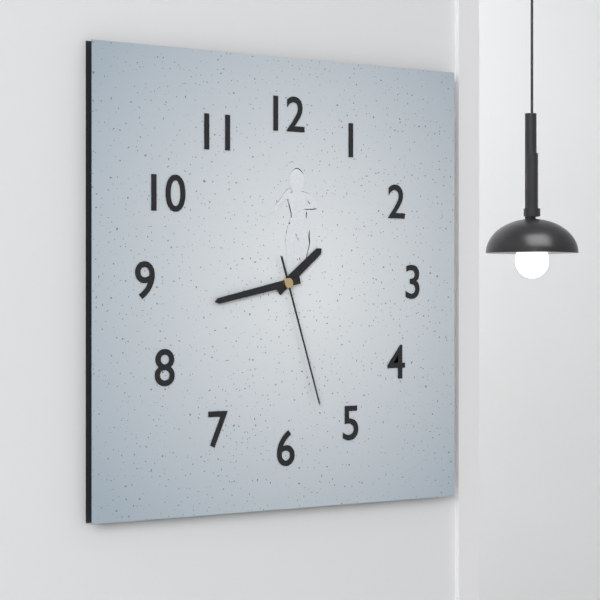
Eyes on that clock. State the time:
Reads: 1:43:27
